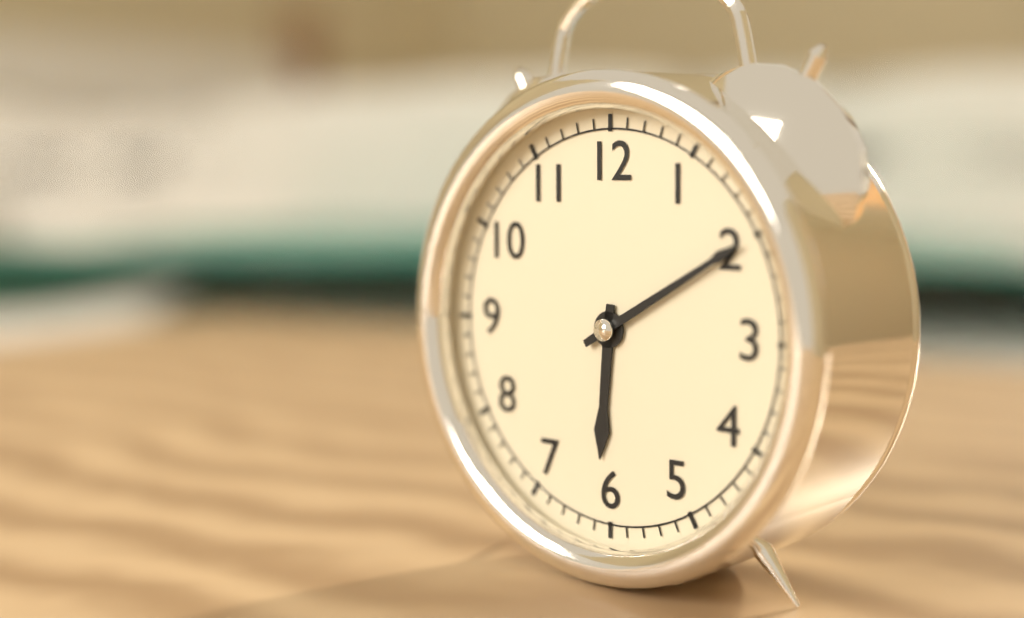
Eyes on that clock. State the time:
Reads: 6:10
